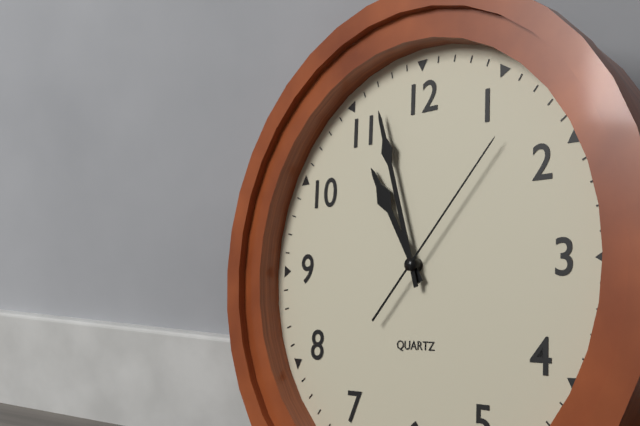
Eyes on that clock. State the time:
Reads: 10:57:07
